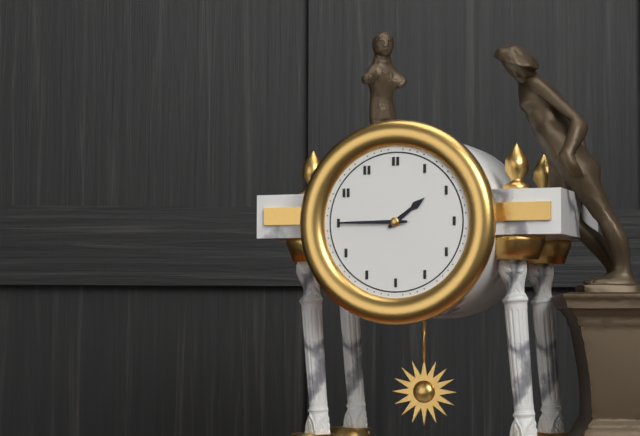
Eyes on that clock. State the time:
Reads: 1:45
